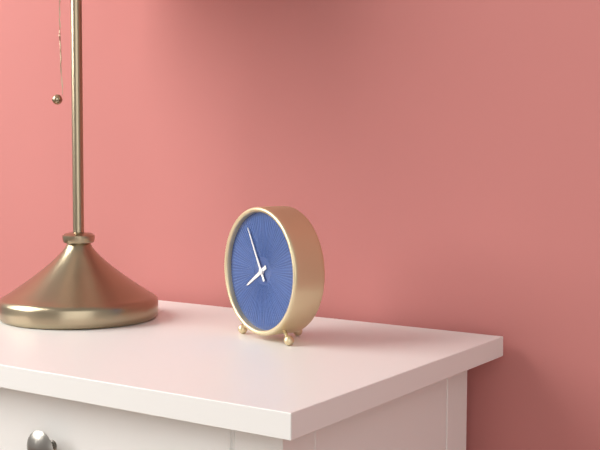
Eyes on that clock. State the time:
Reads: 7:55
